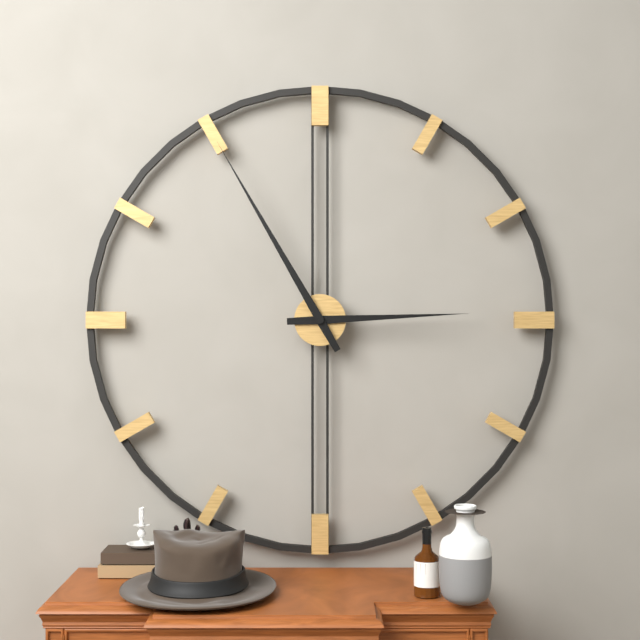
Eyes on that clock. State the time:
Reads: 2:55
